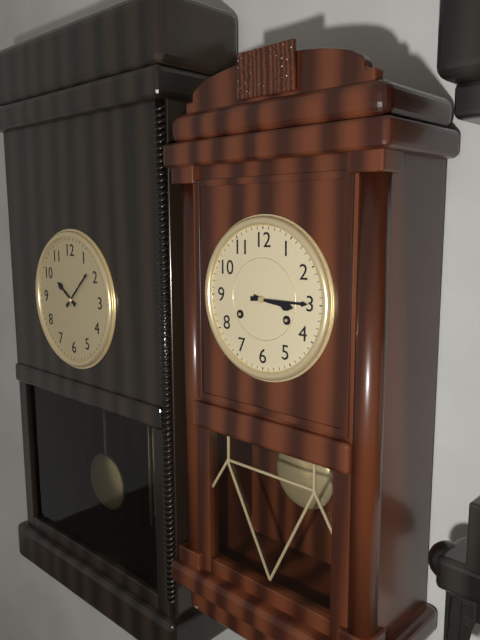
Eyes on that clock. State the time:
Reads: 3:15
